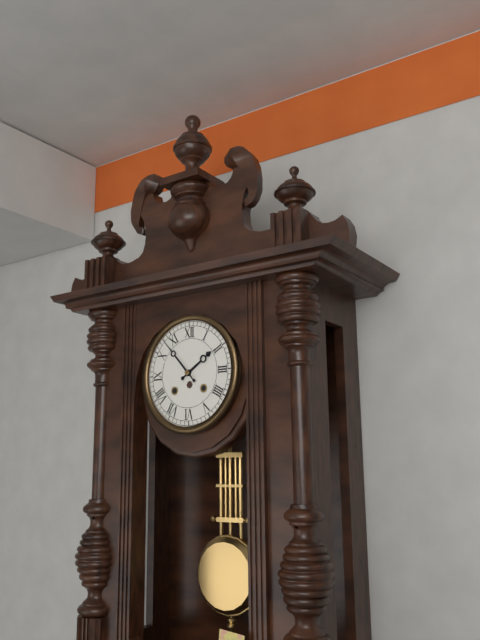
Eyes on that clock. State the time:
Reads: 1:53
